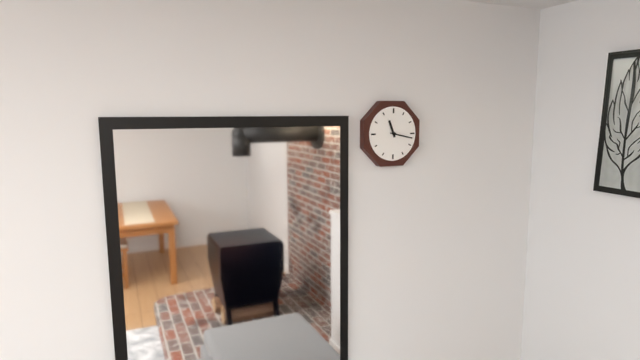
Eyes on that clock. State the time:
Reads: 11:17
